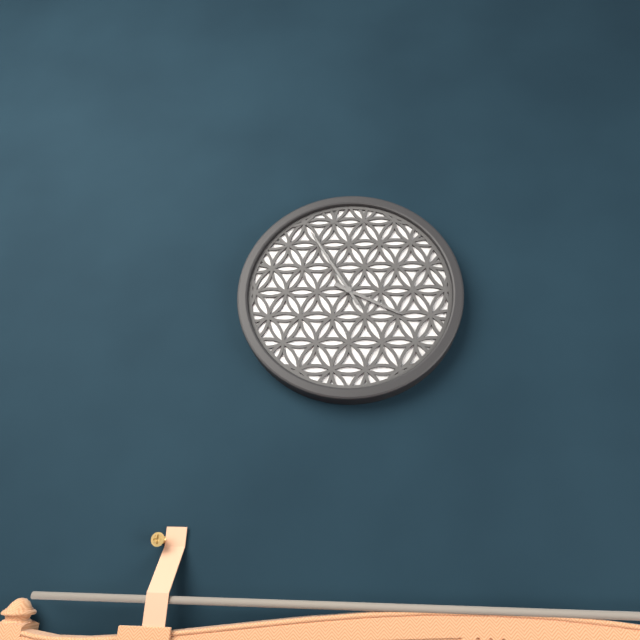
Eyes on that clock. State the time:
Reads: 3:55
